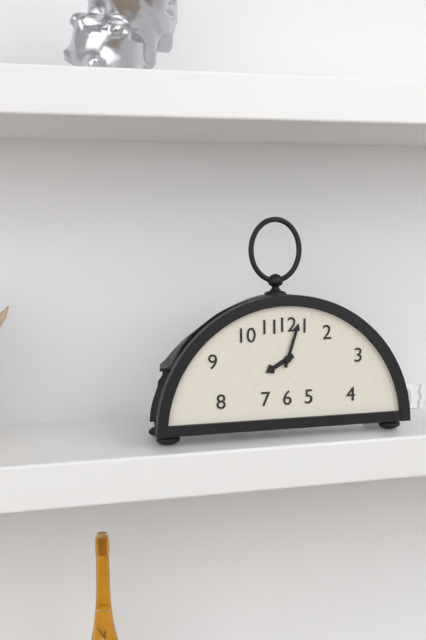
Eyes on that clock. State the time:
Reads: 8:03
